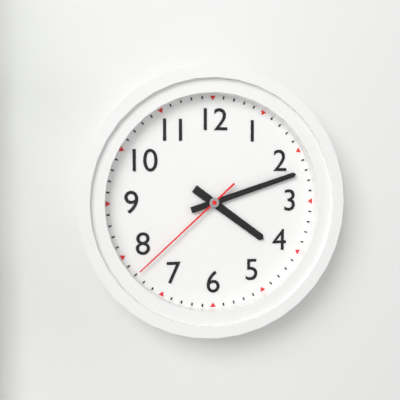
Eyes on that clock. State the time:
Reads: 4:12:38
